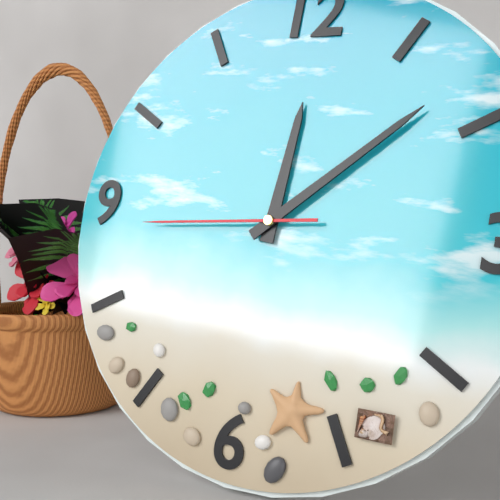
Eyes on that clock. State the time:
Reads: 12:08:44
